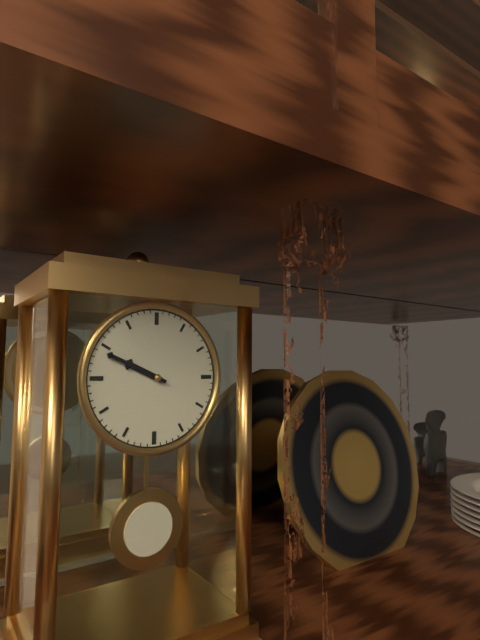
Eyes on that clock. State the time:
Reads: 9:49
